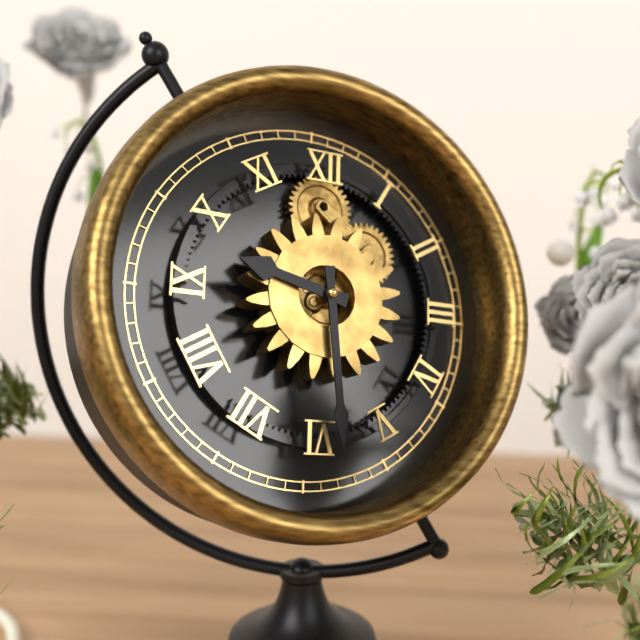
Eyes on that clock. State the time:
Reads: 9:29
